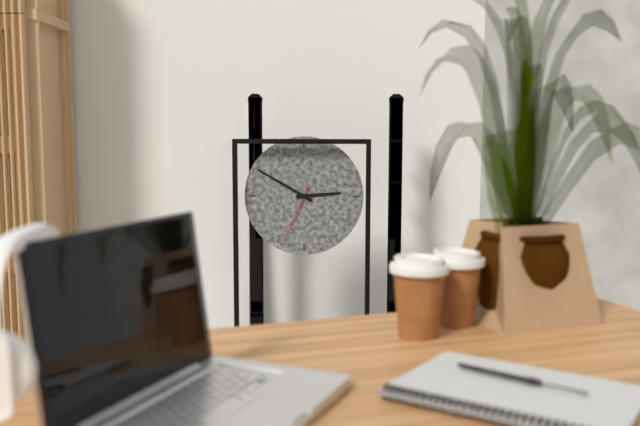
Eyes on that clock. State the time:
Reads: 2:50:34
